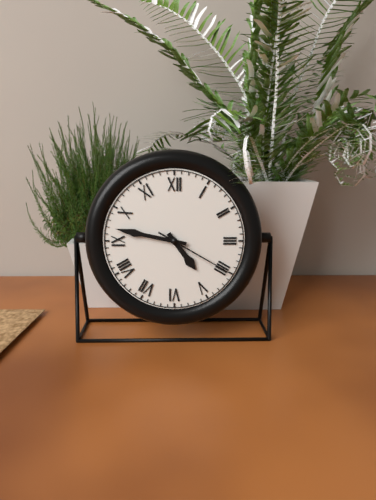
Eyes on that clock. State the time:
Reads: 4:47:20
